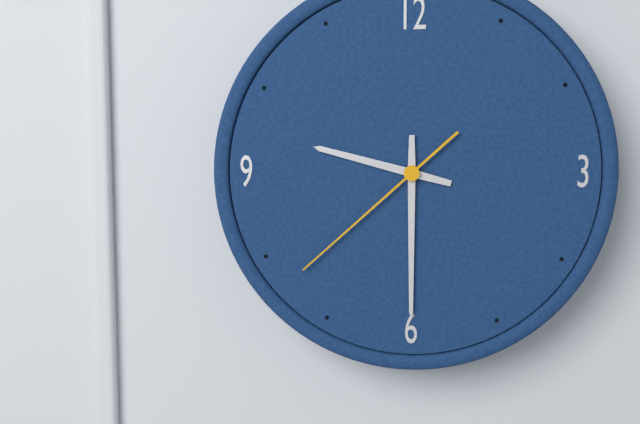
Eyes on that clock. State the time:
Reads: 9:30:38
